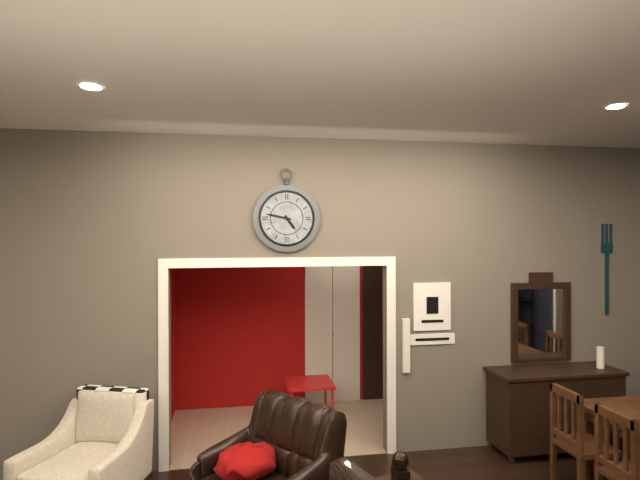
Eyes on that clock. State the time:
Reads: 4:47
